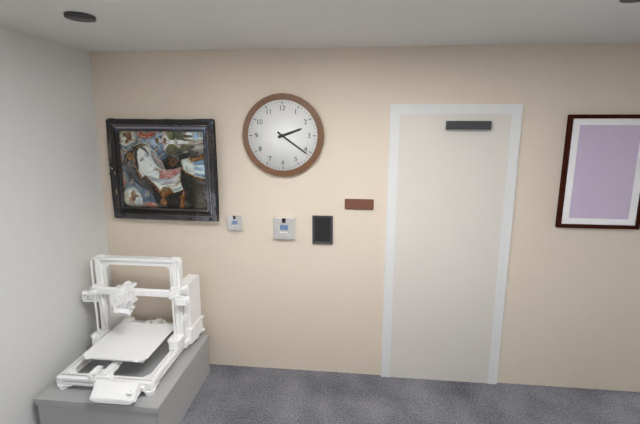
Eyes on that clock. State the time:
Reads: 2:21
